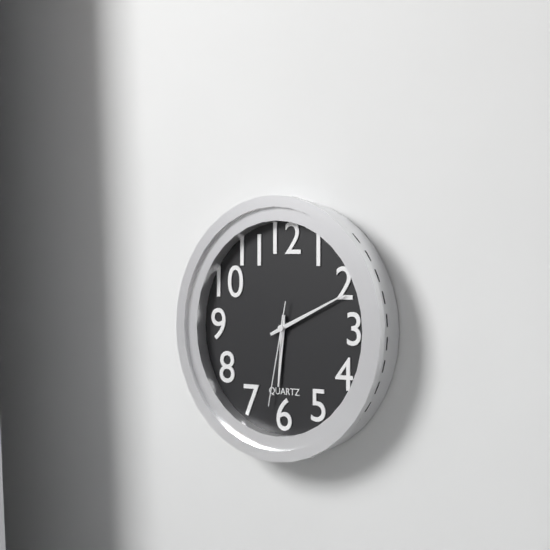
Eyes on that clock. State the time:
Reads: 6:11:32
